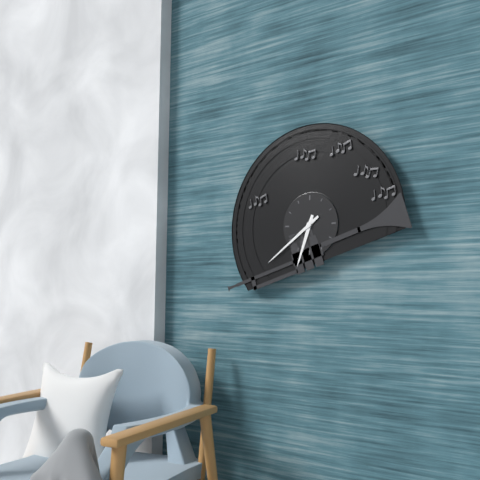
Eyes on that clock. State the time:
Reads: 6:39
